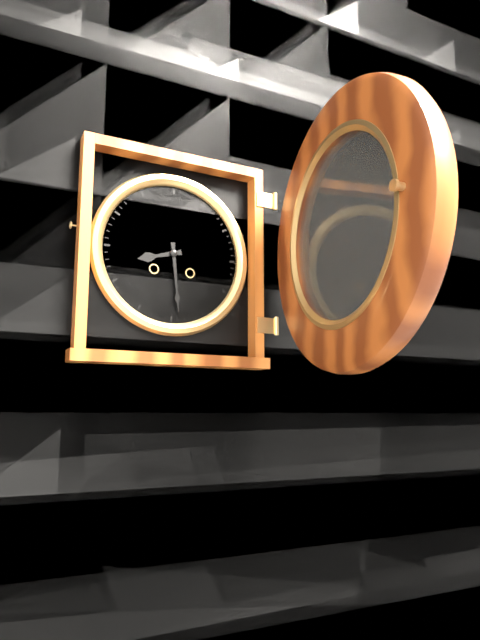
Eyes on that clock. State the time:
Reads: 8:29
